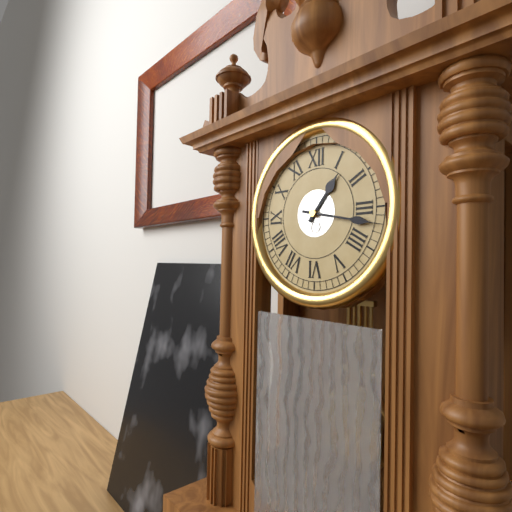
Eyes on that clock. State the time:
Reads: 1:17
